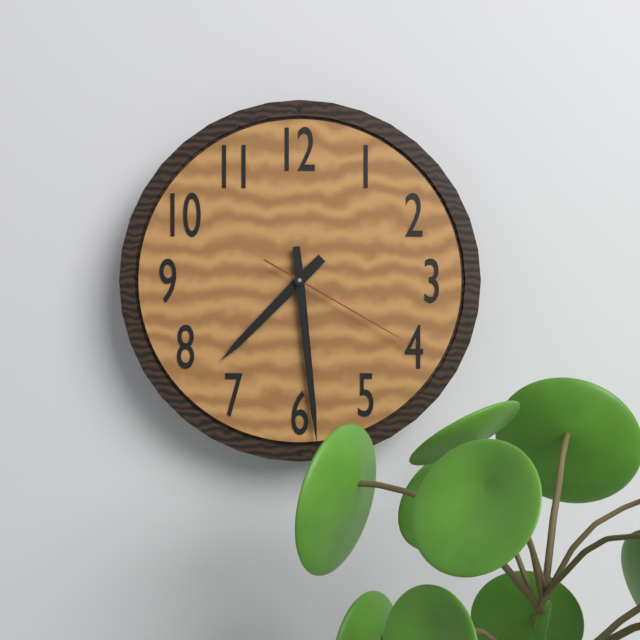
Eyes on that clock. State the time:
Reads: 7:29:20
